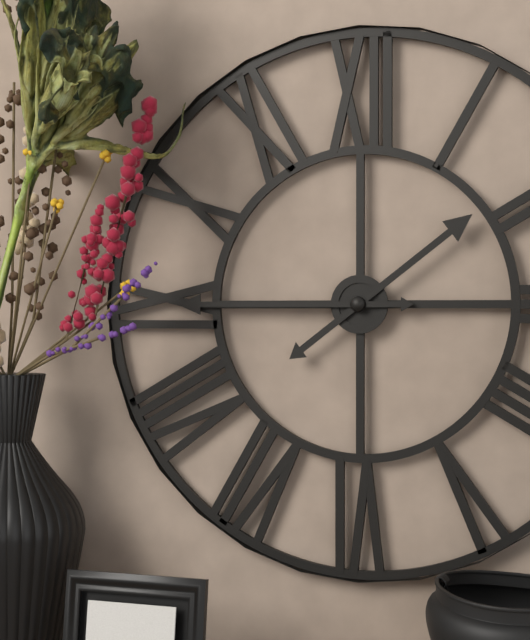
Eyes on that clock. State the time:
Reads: 1:45
